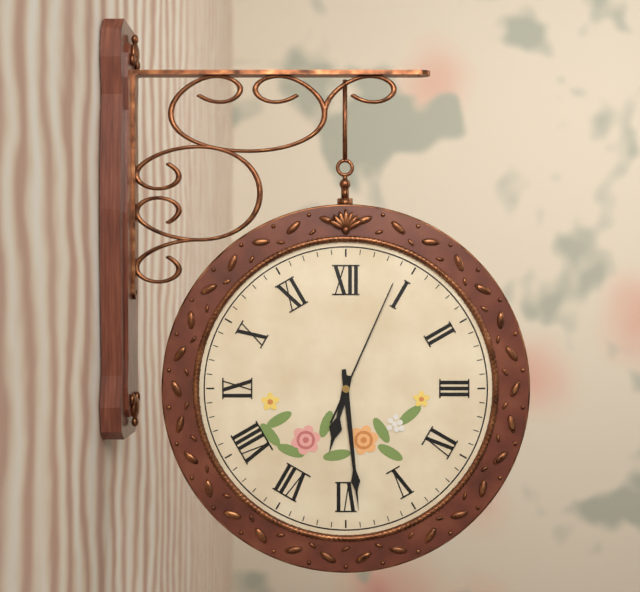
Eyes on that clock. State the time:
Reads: 6:29:04
